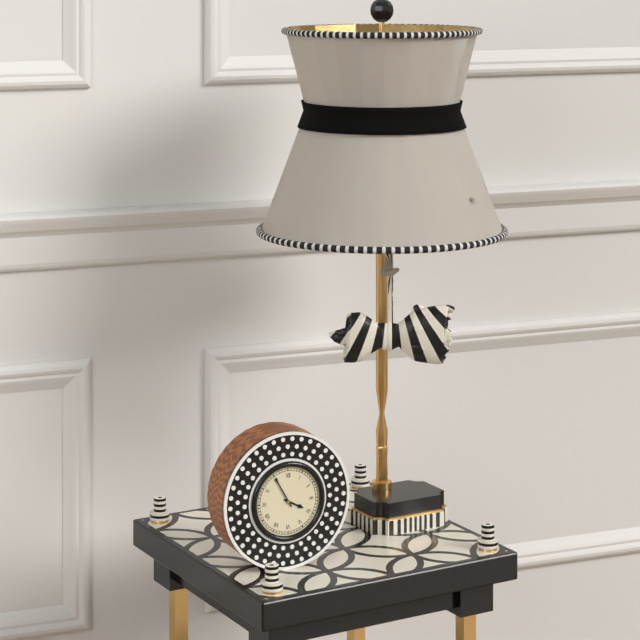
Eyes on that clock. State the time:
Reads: 3:55
